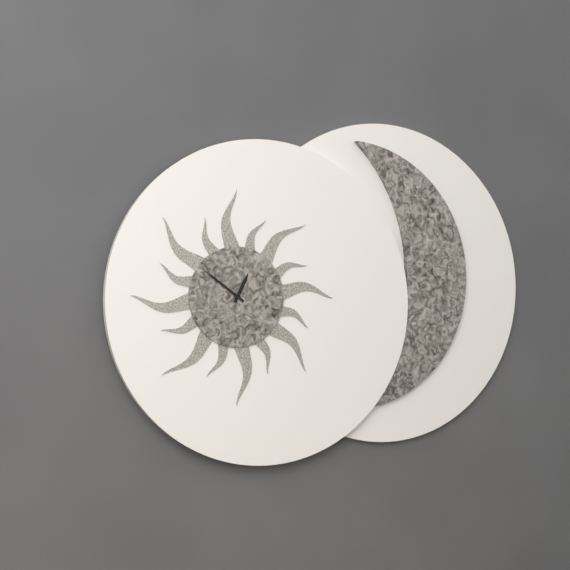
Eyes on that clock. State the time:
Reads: 12:51
